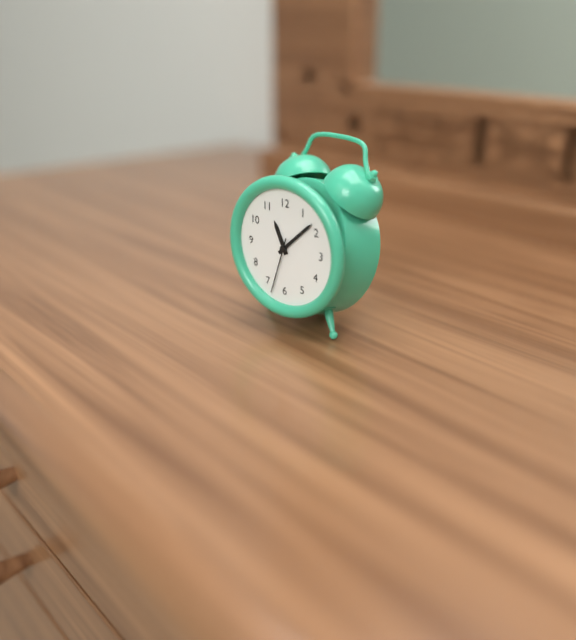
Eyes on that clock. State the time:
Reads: 11:08:33
